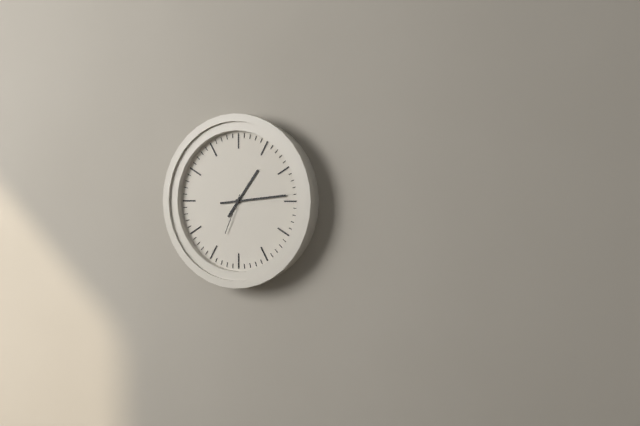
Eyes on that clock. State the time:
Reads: 1:14
